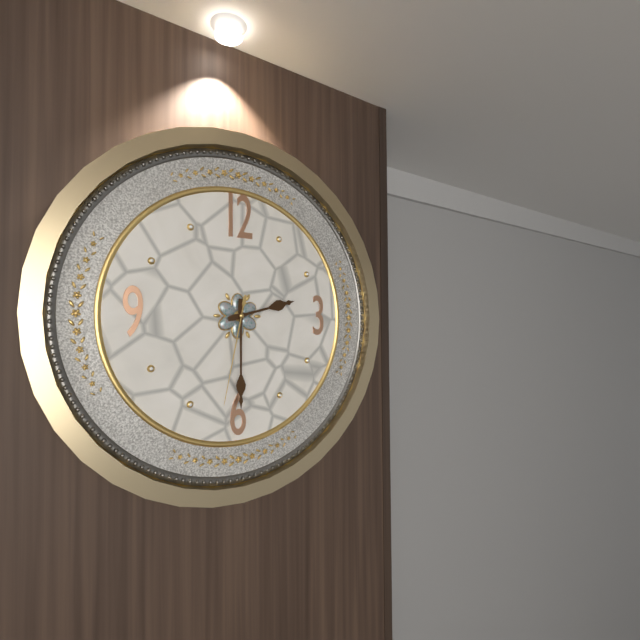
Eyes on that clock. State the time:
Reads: 2:30:32
